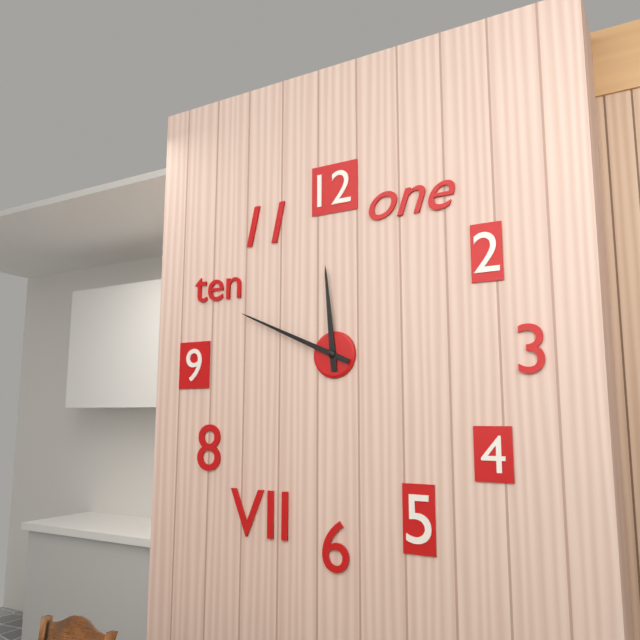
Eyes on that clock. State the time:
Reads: 11:49
